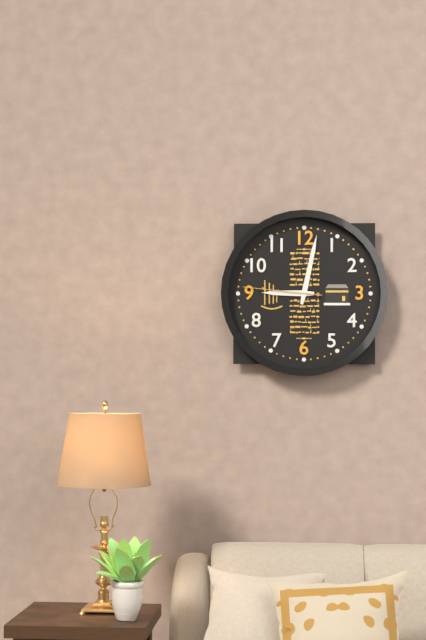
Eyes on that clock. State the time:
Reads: 9:02:46
